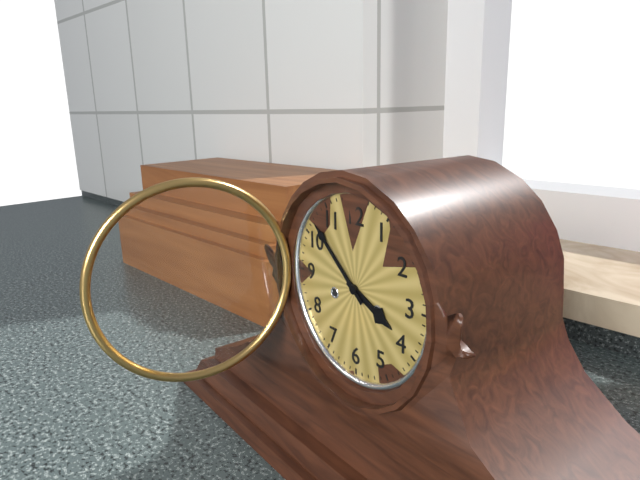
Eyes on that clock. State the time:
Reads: 3:52
